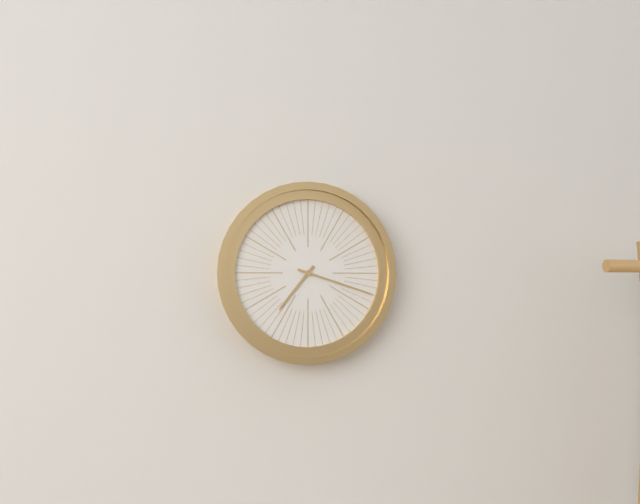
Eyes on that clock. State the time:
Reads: 7:18
